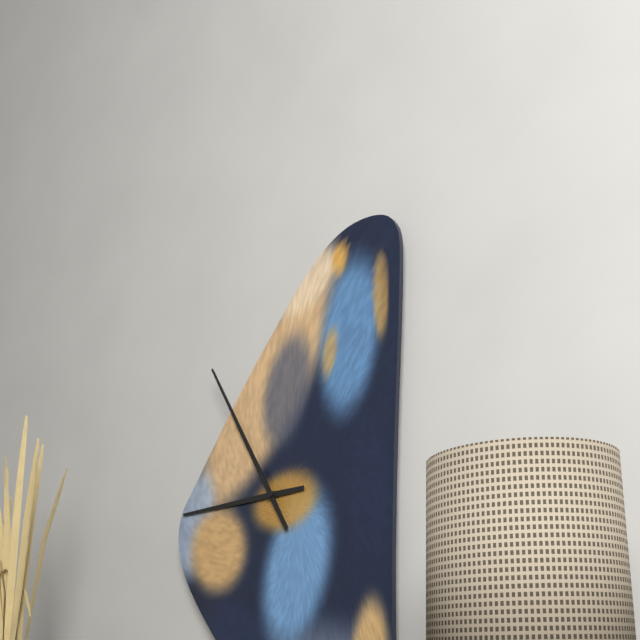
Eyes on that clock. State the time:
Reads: 8:55
